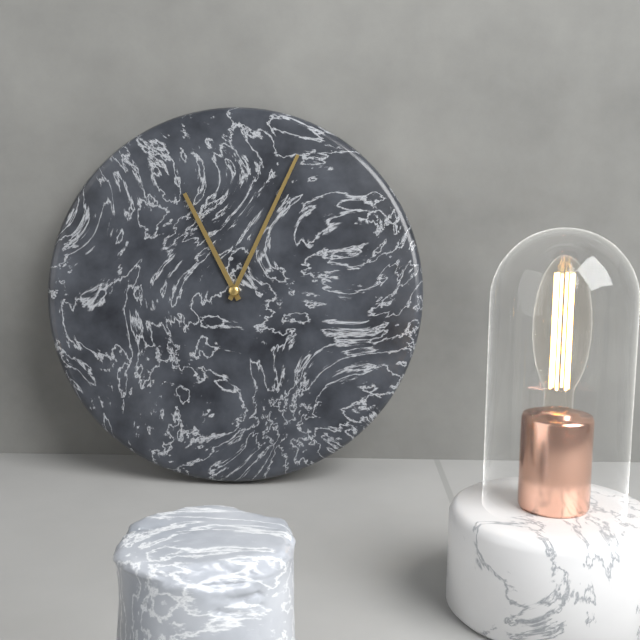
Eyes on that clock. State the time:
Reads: 11:04
